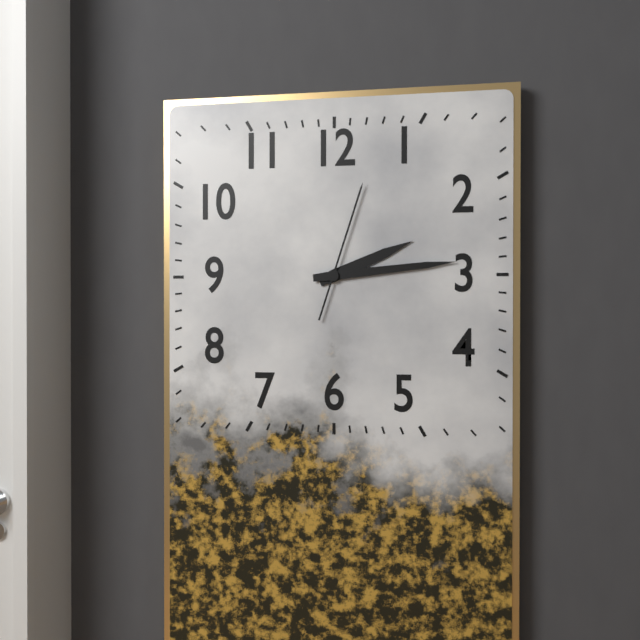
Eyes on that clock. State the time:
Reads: 2:14:03
